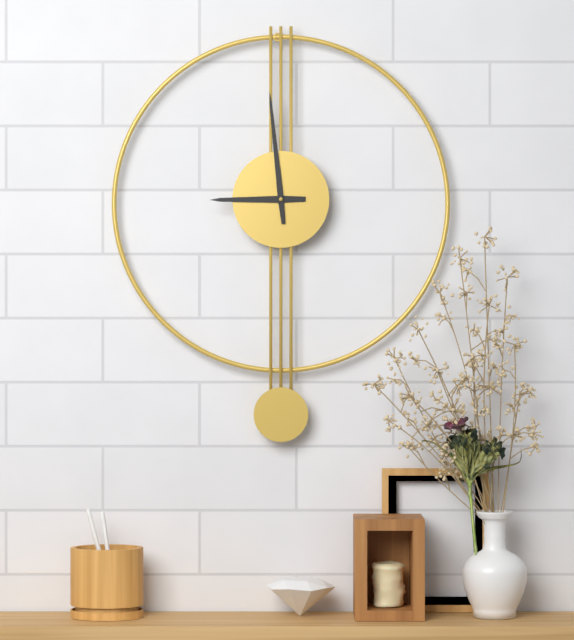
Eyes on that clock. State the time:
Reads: 8:59
